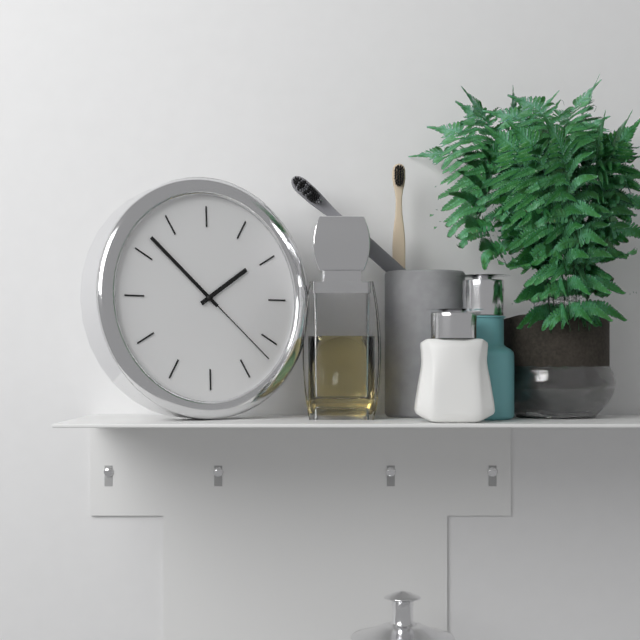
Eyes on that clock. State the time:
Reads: 1:52:22
